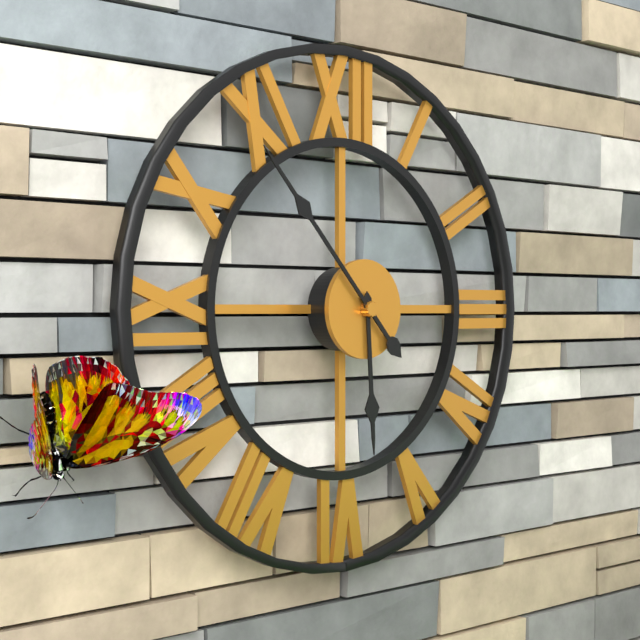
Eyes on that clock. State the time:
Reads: 5:53
